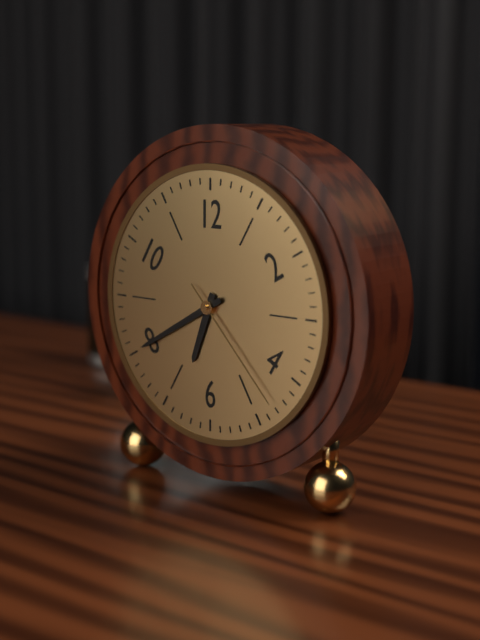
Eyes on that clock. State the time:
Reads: 6:40:23
